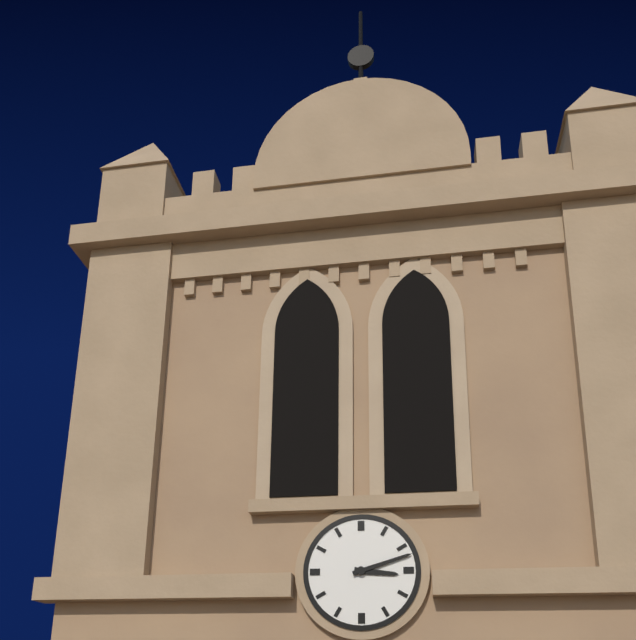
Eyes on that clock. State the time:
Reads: 3:12
